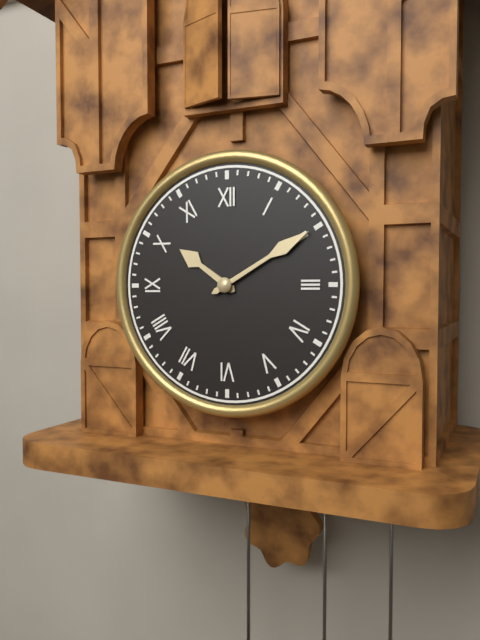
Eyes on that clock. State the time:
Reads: 10:10
